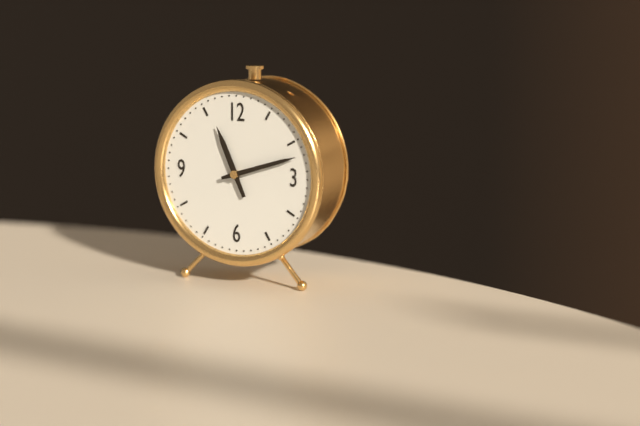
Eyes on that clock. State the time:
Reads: 11:12
